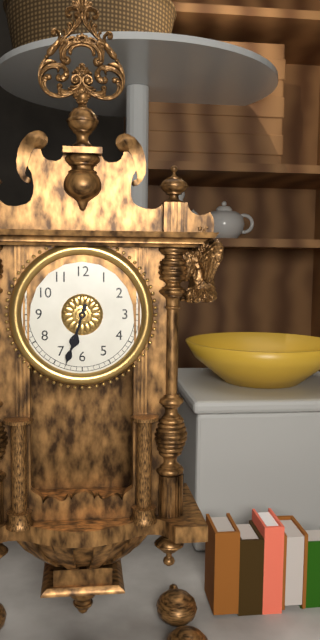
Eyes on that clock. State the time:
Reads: 6:33
